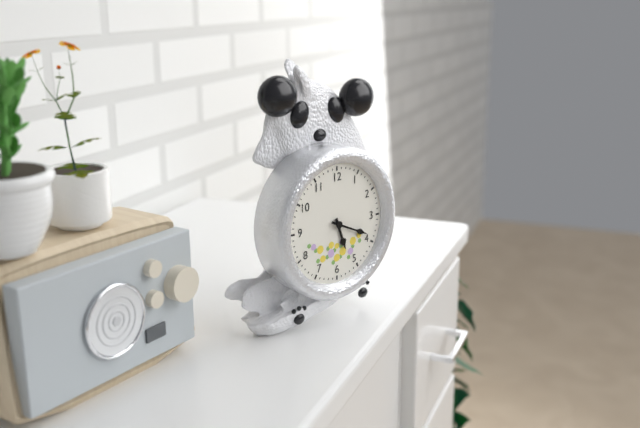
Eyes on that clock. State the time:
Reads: 5:19
